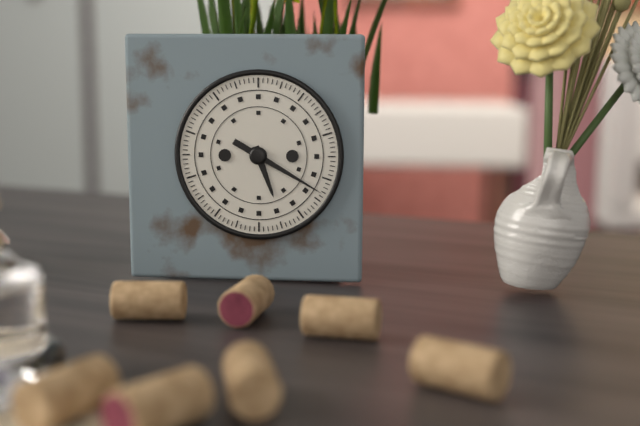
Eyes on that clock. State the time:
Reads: 5:20
